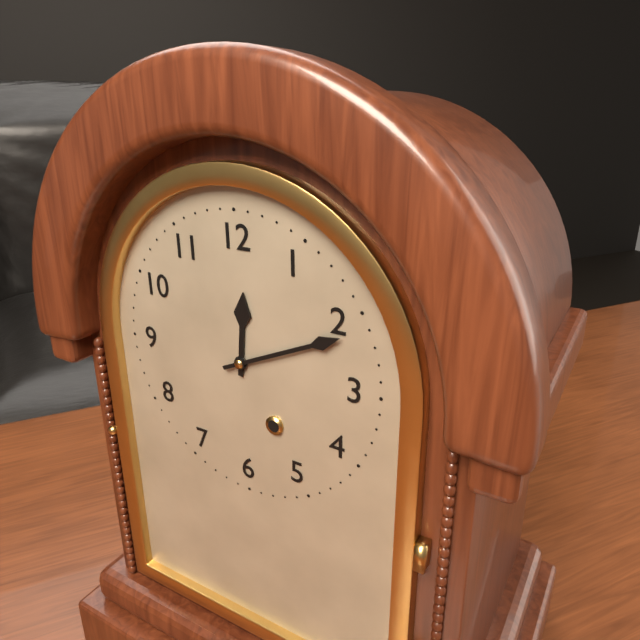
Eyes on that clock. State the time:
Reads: 12:11
